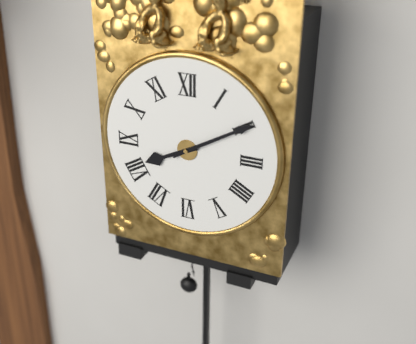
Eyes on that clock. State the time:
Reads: 8:10
